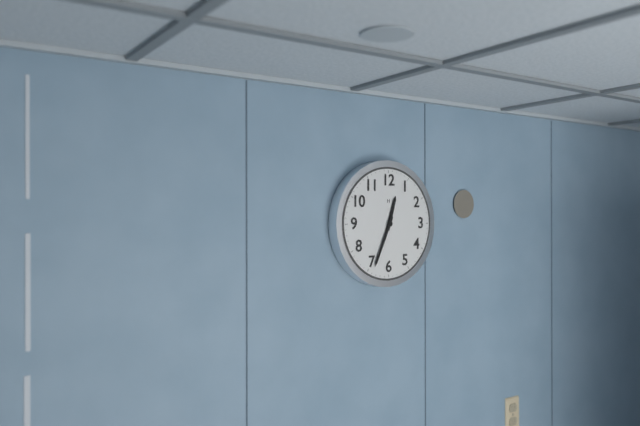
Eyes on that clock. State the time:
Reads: 12:34
